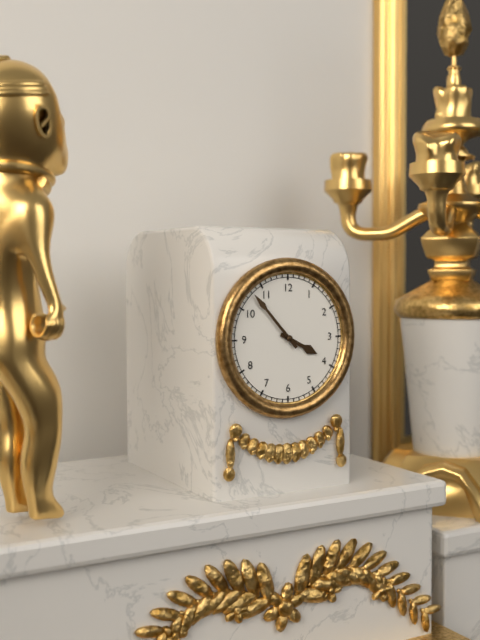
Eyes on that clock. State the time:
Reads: 3:53
